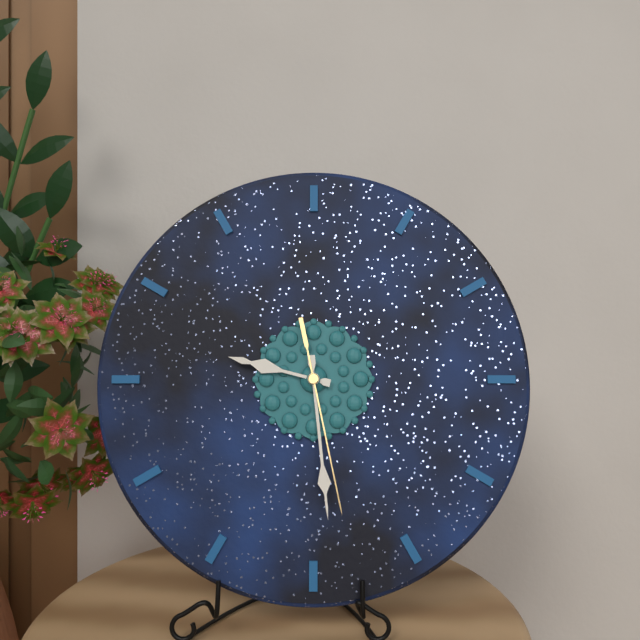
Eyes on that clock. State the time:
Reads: 9:29:28
